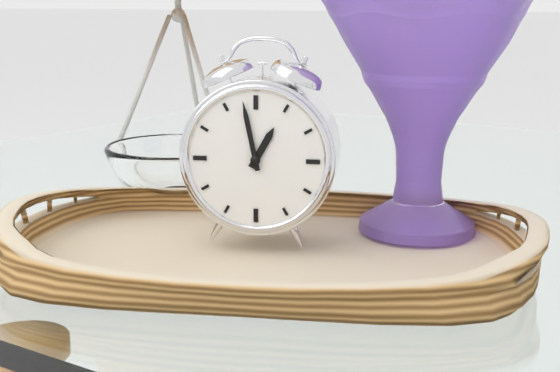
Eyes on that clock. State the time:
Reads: 12:58
